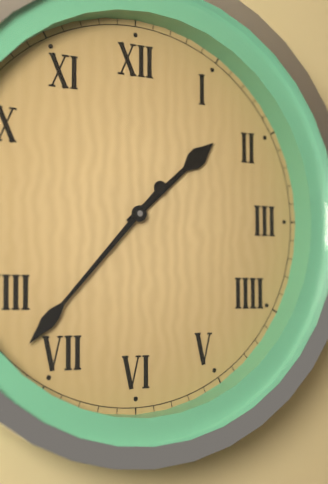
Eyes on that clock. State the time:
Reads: 1:37
